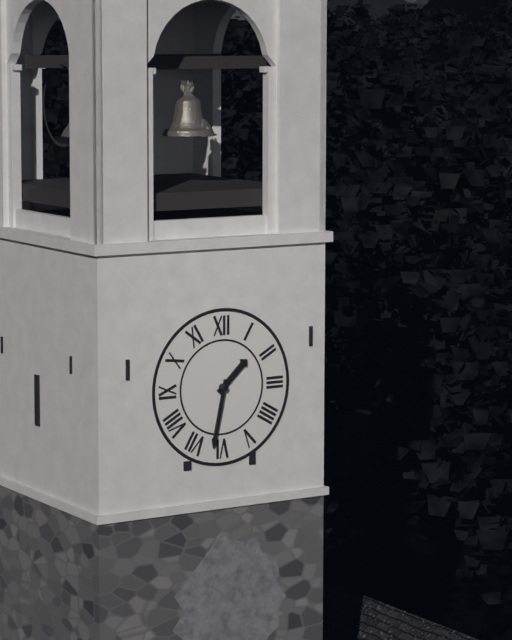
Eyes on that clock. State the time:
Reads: 1:32
